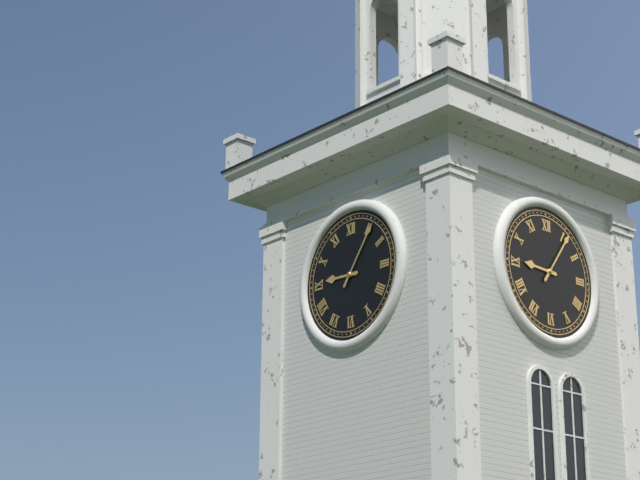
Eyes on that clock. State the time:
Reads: 9:06
